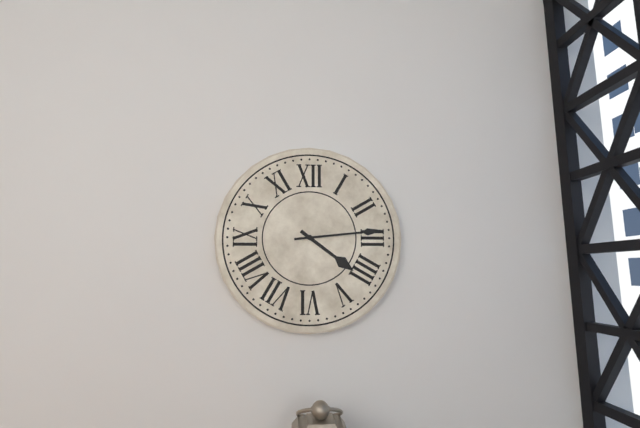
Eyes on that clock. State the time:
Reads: 4:14
